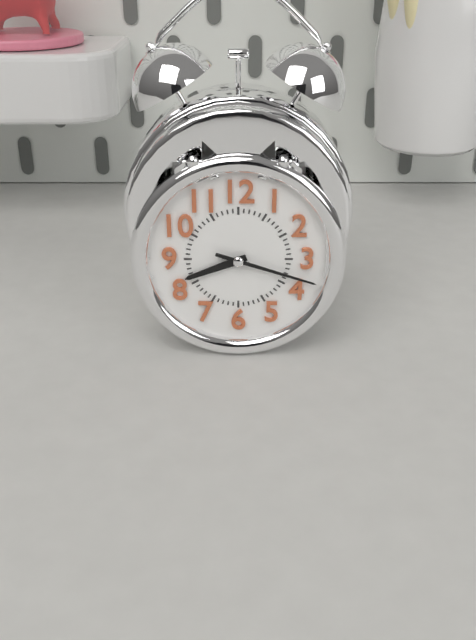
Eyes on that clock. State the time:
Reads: 8:18
